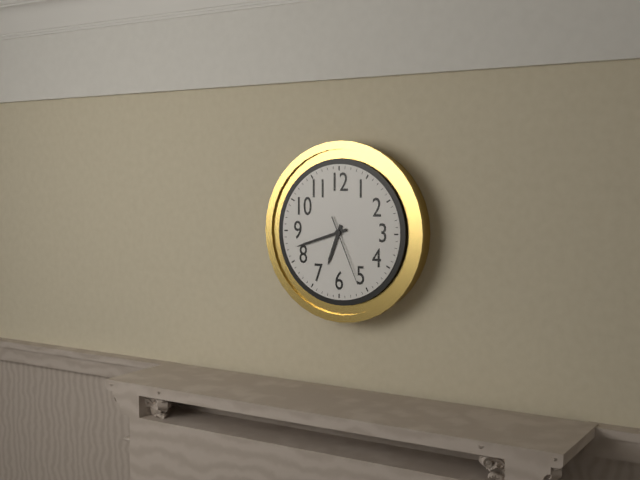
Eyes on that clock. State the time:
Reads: 6:42:26
